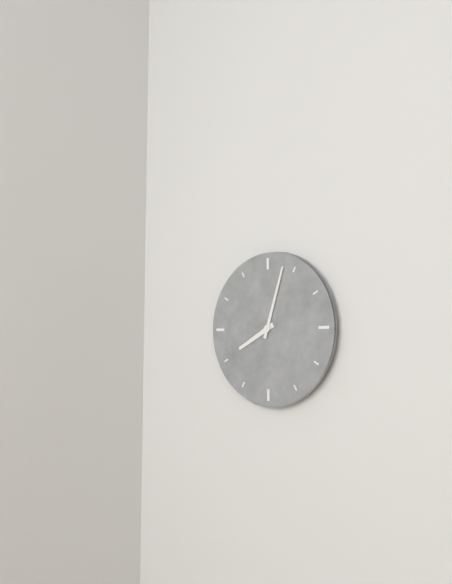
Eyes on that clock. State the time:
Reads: 8:03
